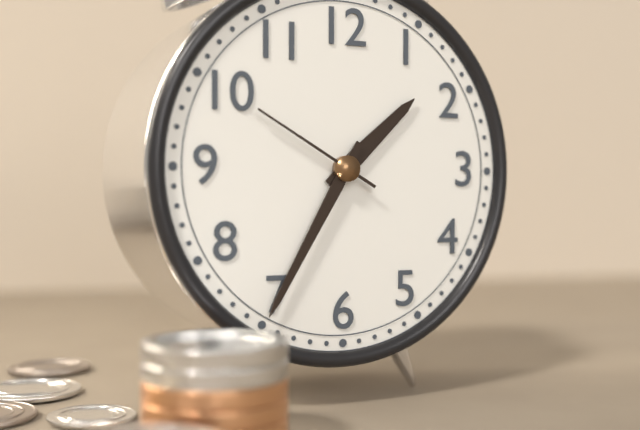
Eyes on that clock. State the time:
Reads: 1:35:50
